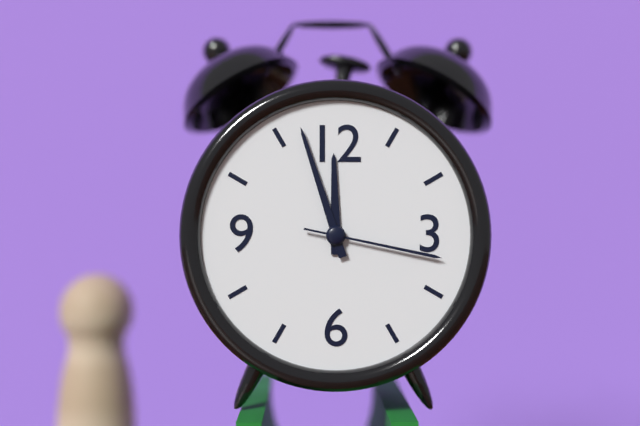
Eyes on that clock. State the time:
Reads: 11:57:17
